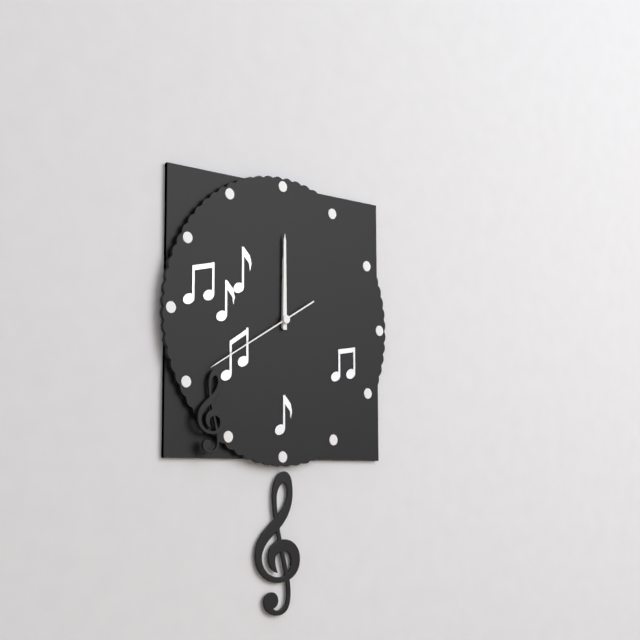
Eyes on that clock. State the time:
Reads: 12:00:40
